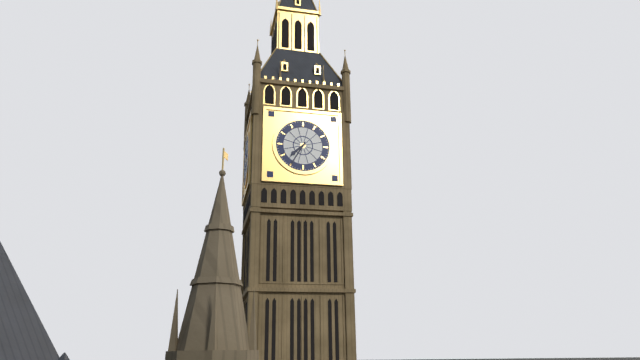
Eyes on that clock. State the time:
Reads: 7:35
